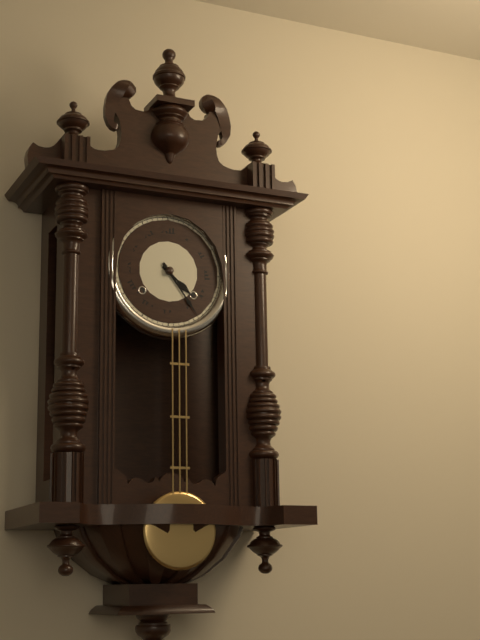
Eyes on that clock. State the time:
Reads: 4:24
